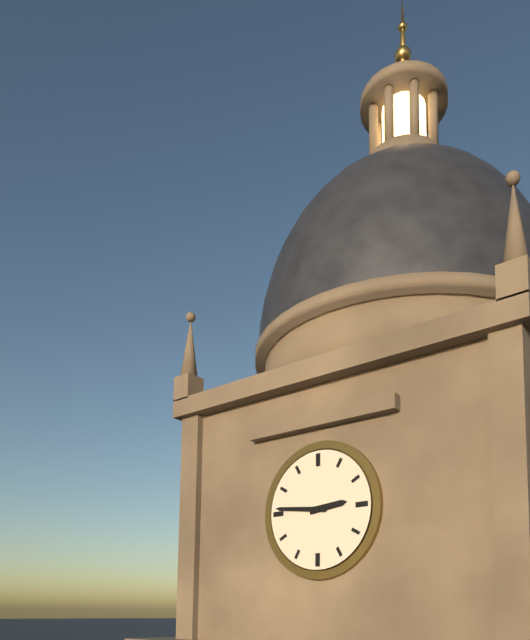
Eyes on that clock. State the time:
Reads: 2:46
